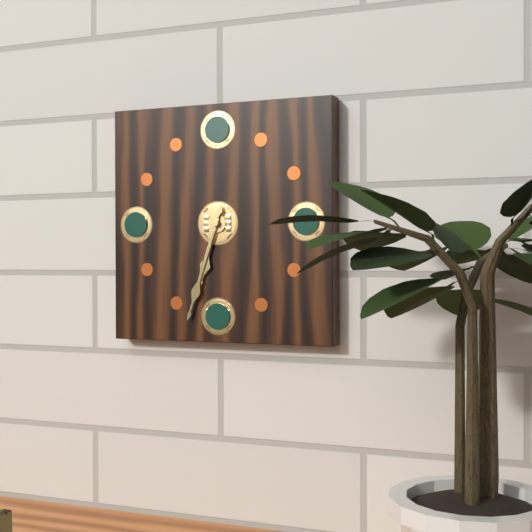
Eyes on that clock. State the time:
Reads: 6:33
